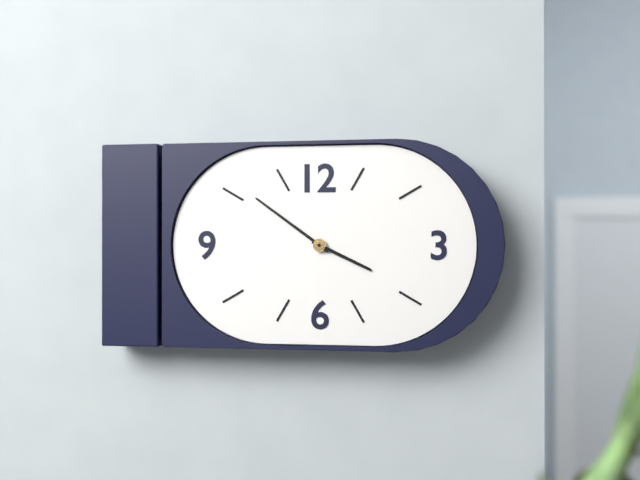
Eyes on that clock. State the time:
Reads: 3:51
